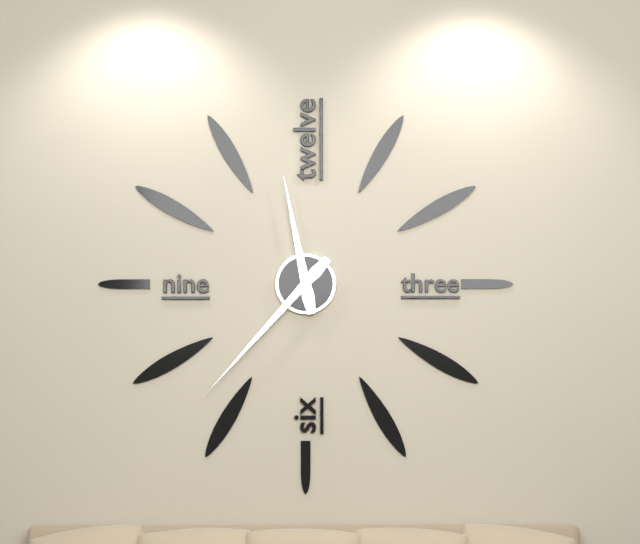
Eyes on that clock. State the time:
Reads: 11:37
